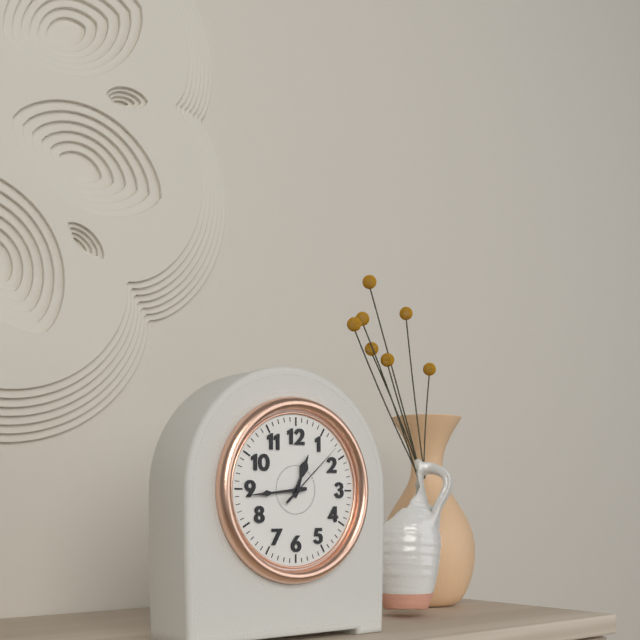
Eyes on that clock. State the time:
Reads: 12:44:08
